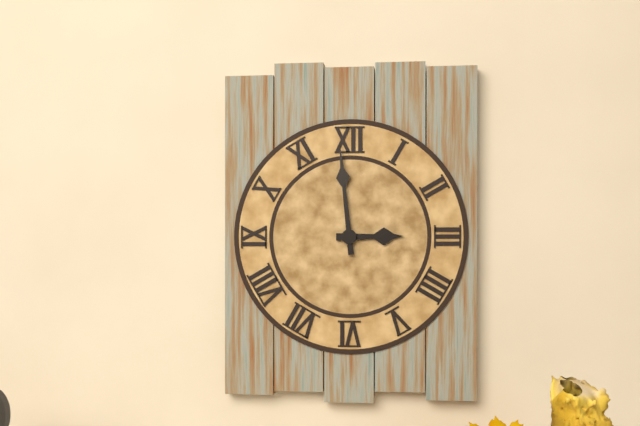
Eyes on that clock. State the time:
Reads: 2:59
